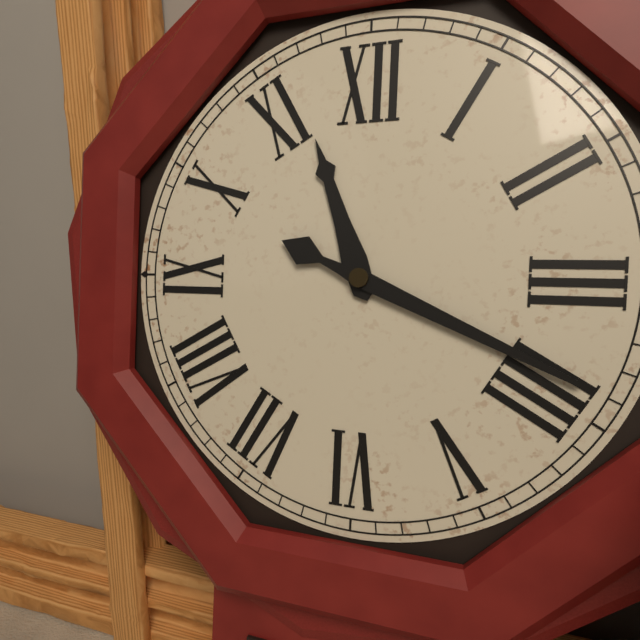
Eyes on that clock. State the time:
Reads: 11:19
